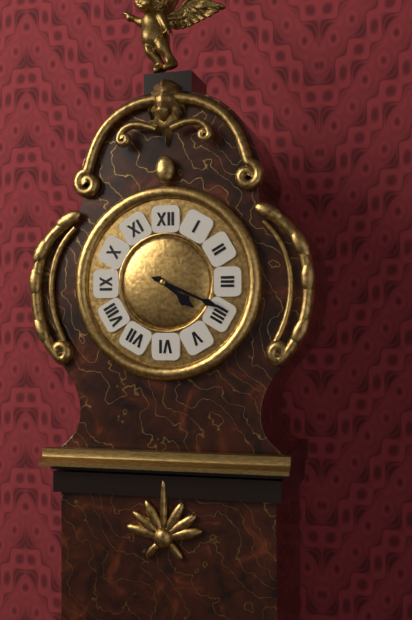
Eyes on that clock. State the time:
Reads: 4:19
